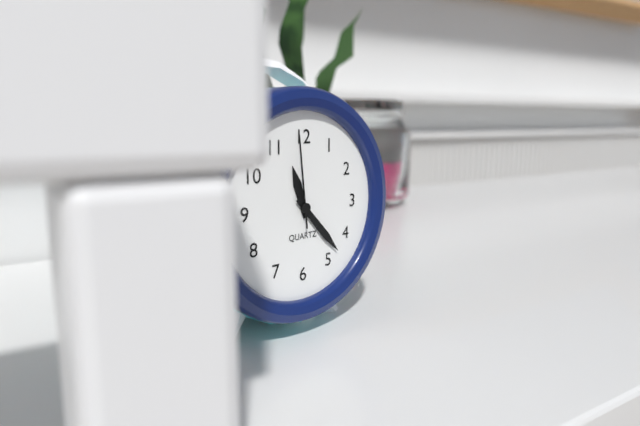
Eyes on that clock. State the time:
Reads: 11:23:59
